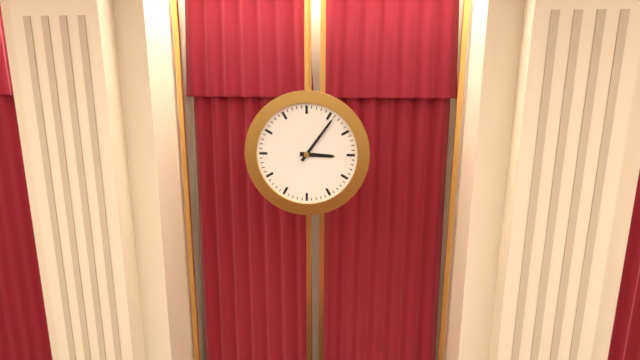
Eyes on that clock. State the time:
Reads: 3:06
